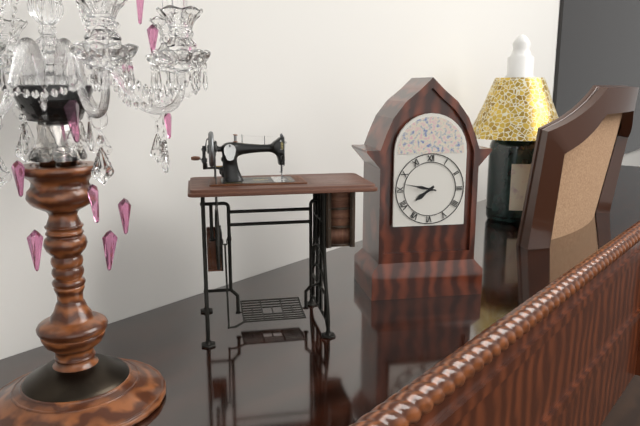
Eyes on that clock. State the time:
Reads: 7:47
